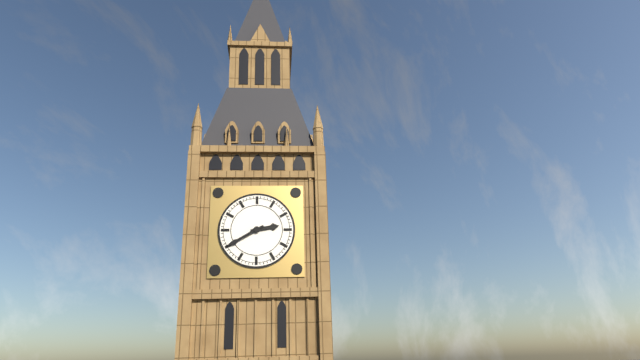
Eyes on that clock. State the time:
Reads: 2:40
